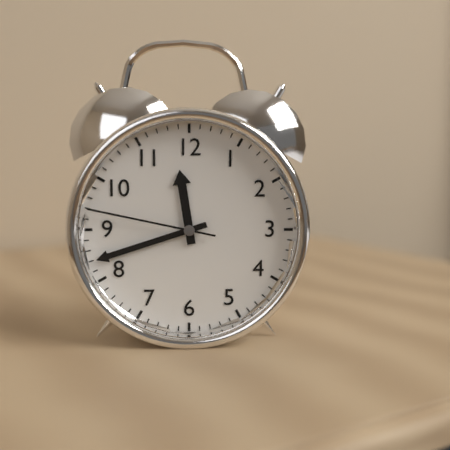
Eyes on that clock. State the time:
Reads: 11:42:47
